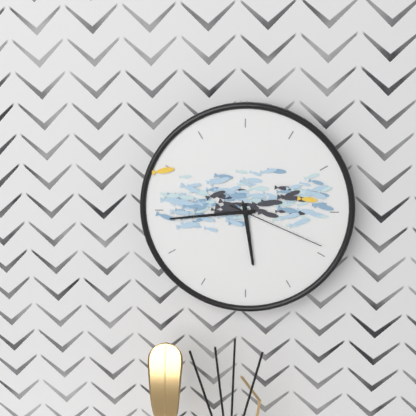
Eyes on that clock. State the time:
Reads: 5:44:19
